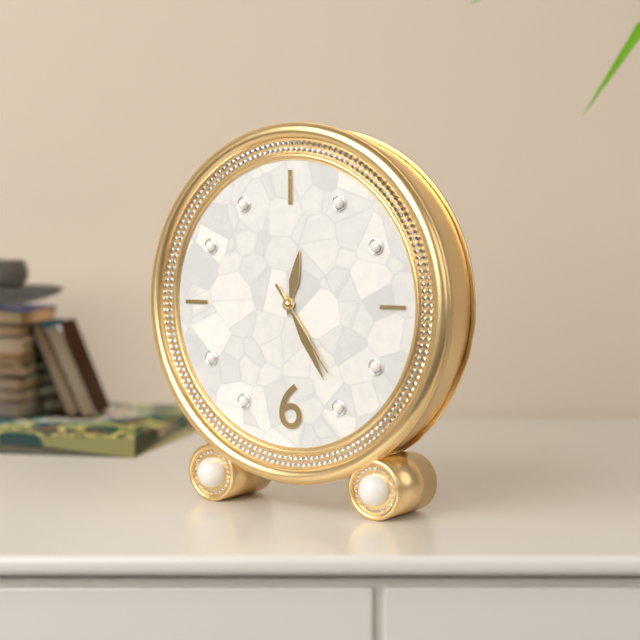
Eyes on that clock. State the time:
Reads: 12:25:24
